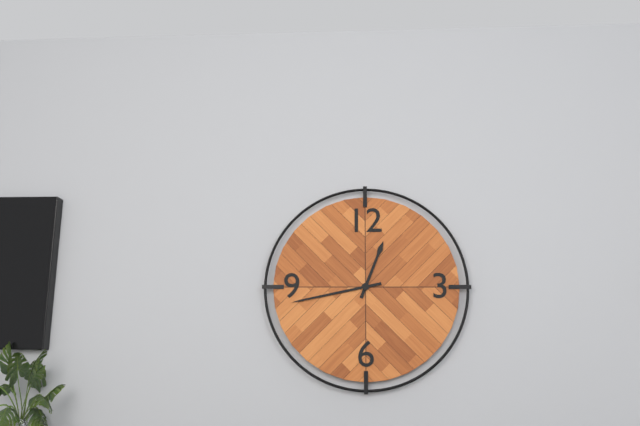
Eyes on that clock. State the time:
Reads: 12:43
